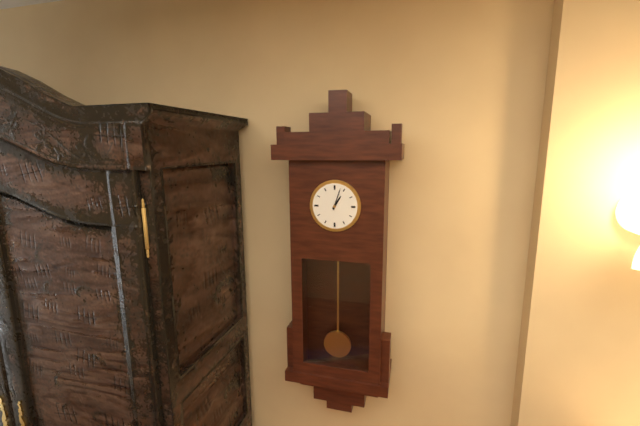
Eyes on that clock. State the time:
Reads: 1:03
